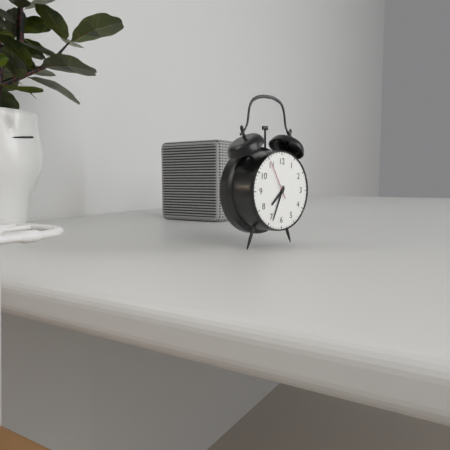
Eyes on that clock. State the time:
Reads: 7:34
